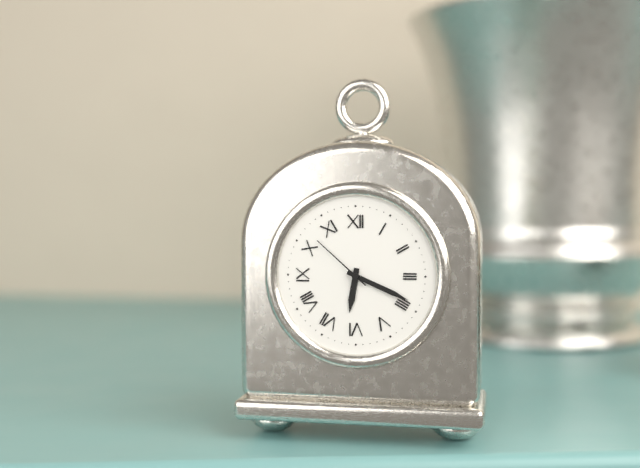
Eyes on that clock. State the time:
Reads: 6:19:52
